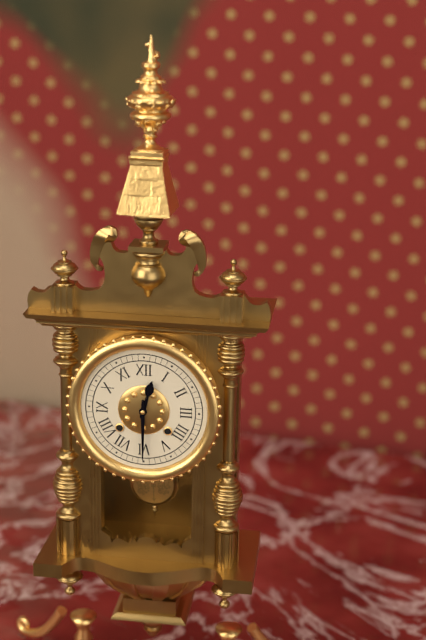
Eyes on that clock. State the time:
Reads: 12:30
